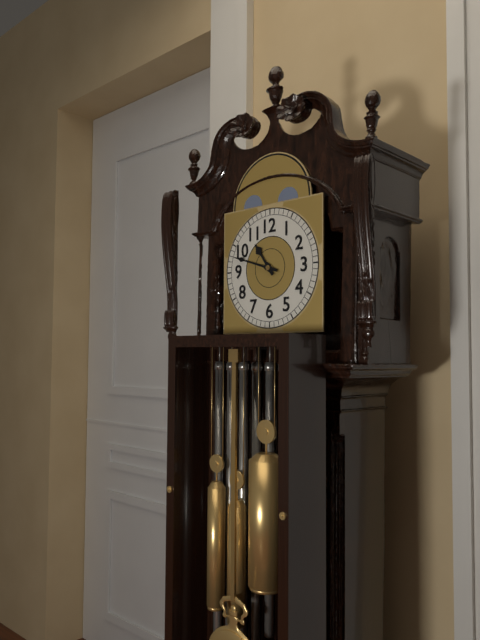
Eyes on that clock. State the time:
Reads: 10:48
